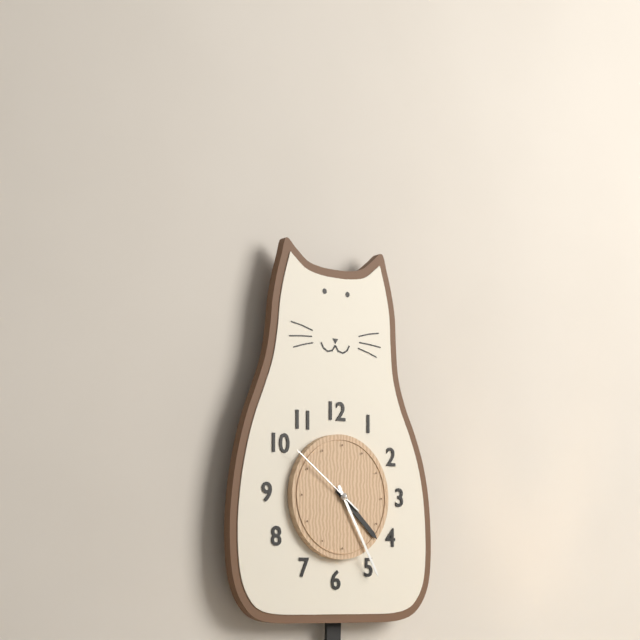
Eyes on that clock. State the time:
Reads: 4:25:51
